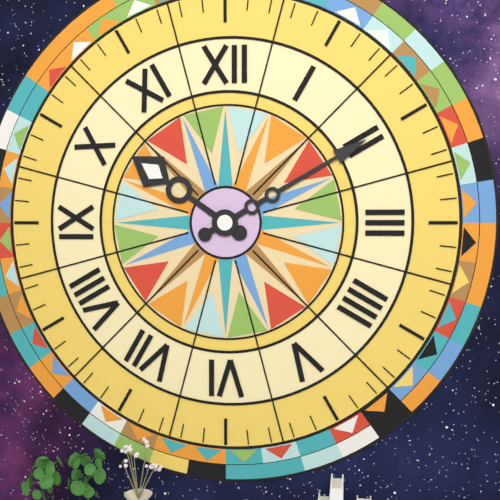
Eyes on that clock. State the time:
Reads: 10:10
